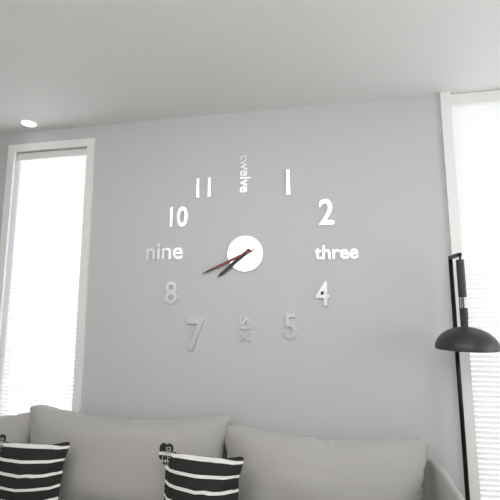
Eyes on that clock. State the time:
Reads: 7:41
